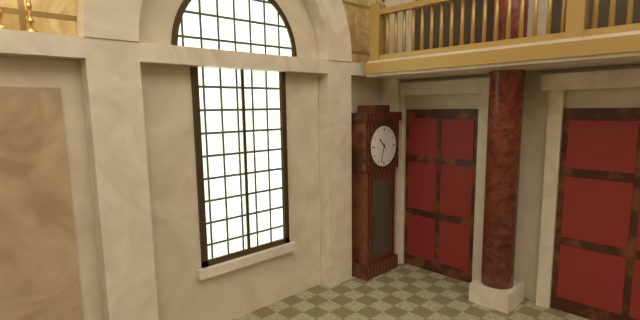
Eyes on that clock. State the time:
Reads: 10:33
